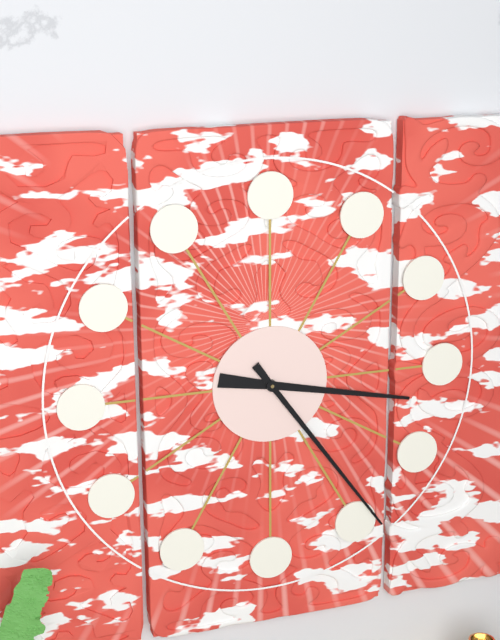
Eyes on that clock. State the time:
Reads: 3:24
